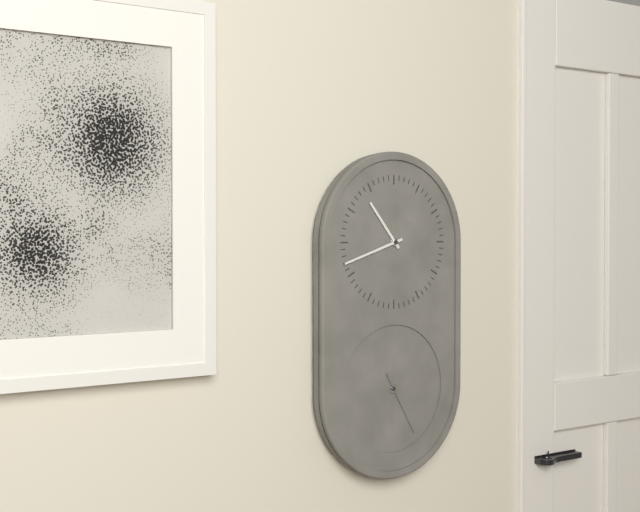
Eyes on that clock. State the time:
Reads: 10:42:25
